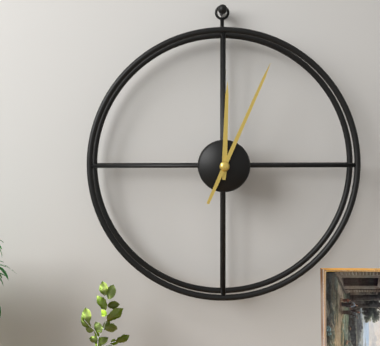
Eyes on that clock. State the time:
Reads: 12:04
